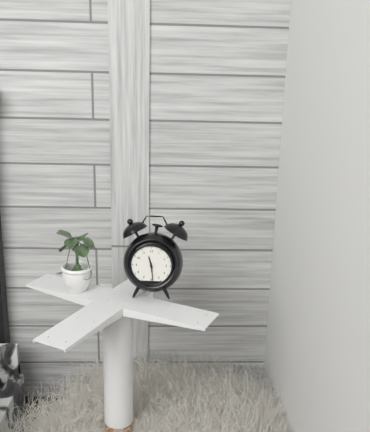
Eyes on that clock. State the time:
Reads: 11:29
